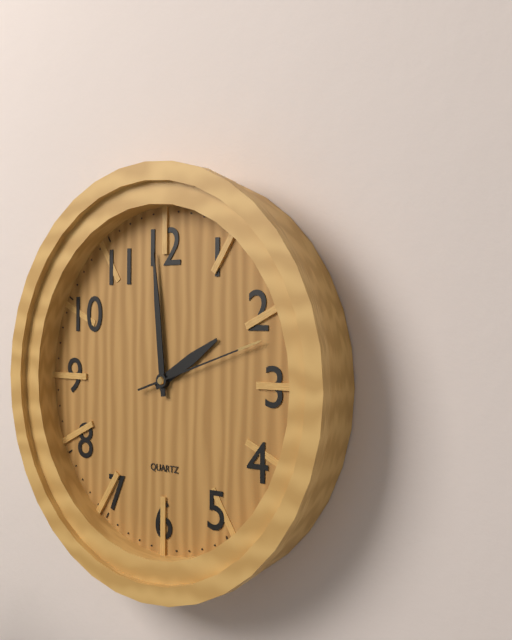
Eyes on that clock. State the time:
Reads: 1:59:12
